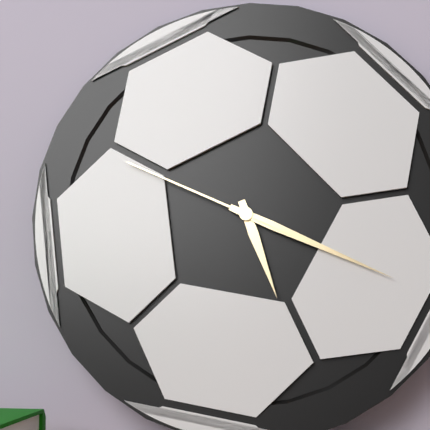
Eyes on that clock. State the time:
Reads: 5:19:49
